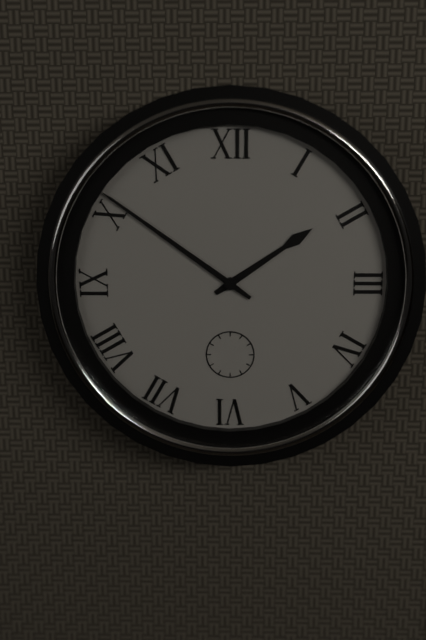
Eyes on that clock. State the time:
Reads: 1:51
